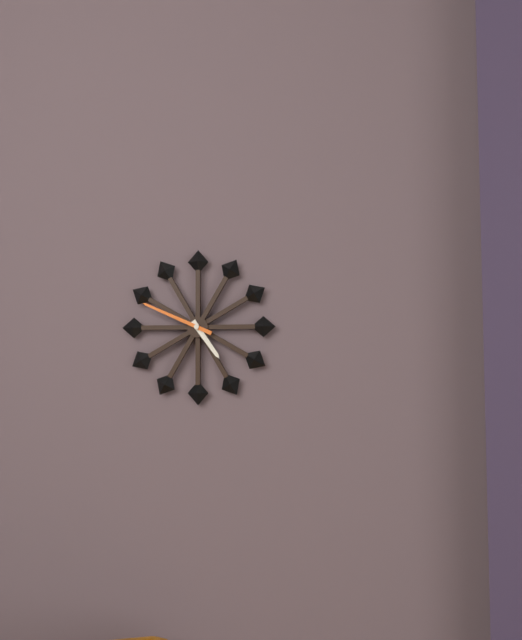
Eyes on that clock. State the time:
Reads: 4:49
